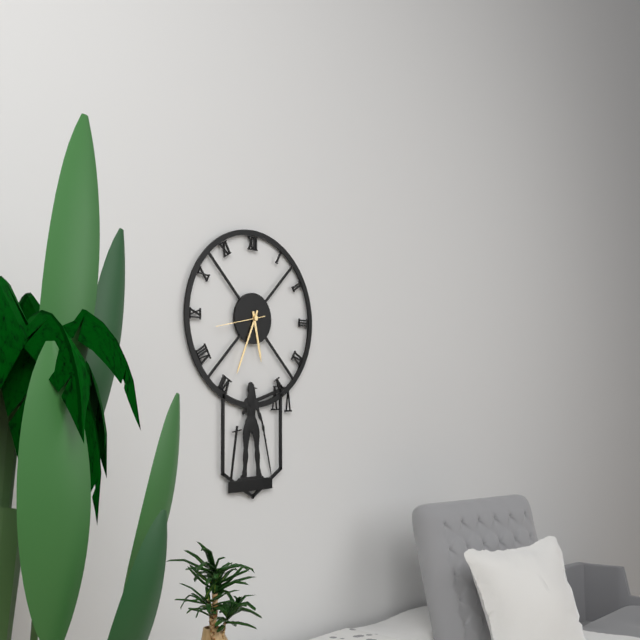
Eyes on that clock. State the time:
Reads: 5:34
